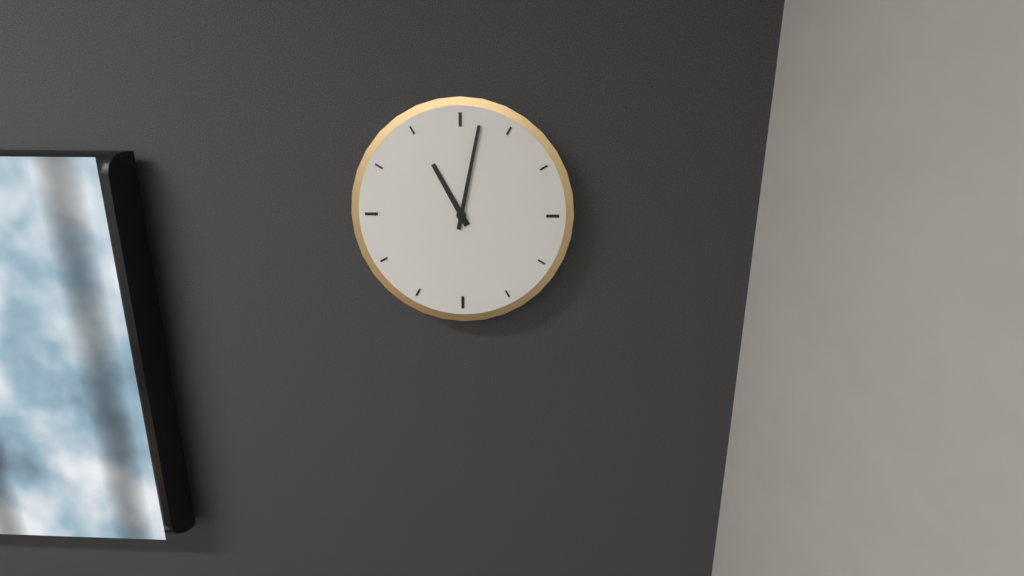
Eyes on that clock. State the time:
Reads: 11:02
